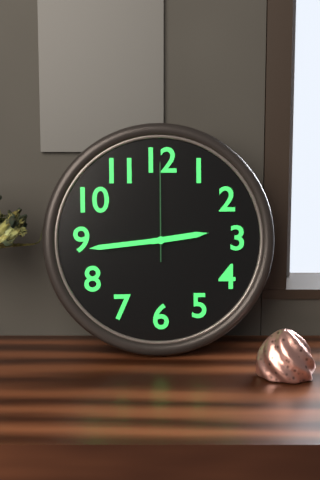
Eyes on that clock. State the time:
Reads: 2:44:00
